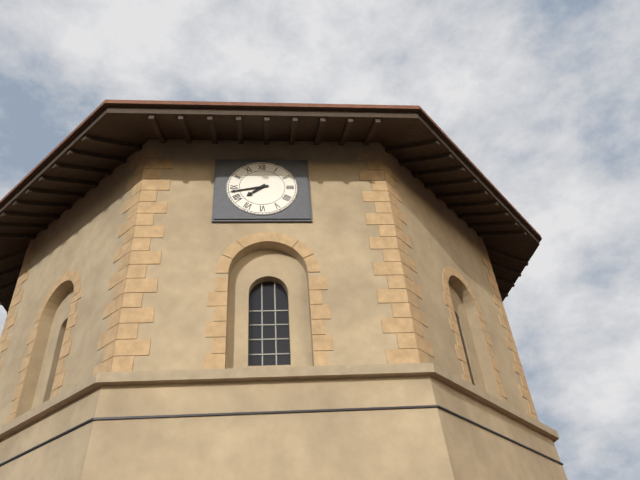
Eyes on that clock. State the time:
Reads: 7:43
